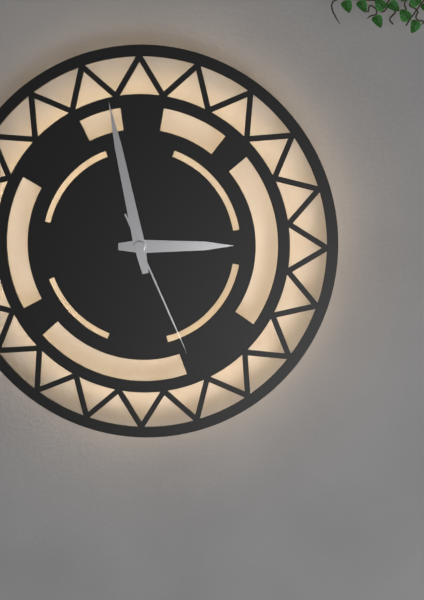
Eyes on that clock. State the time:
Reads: 2:58:26
